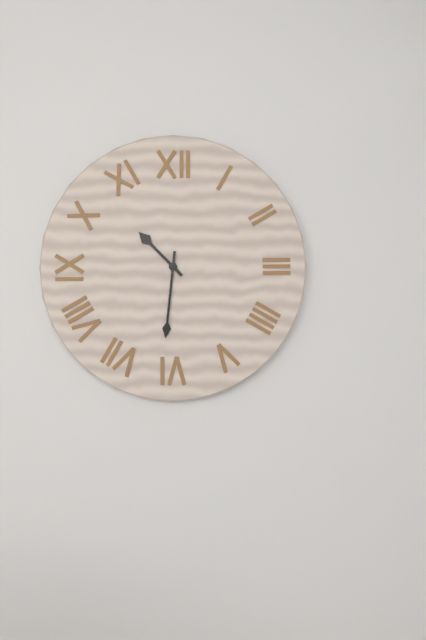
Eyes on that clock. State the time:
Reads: 10:31
